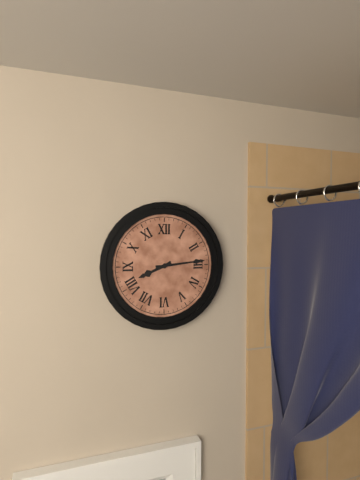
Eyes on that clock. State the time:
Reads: 8:14
